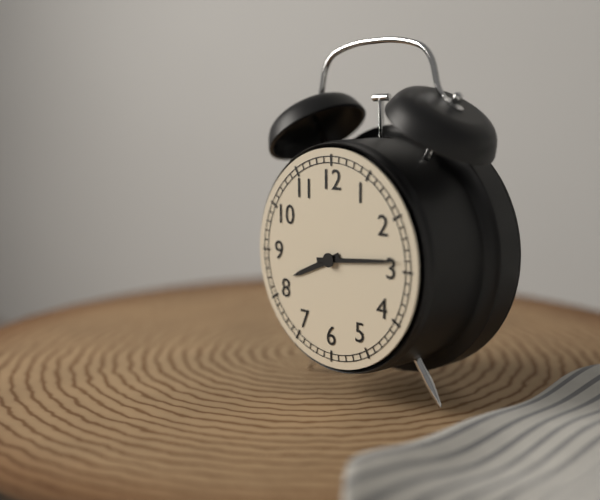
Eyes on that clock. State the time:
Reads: 8:14
